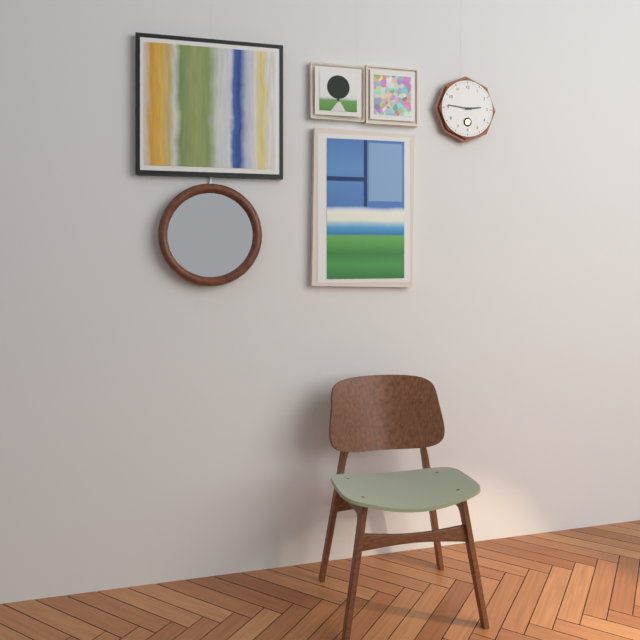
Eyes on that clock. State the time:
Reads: 2:46
